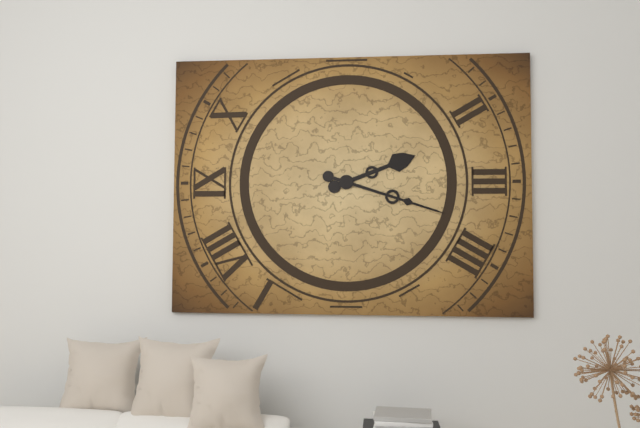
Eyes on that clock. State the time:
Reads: 2:18
